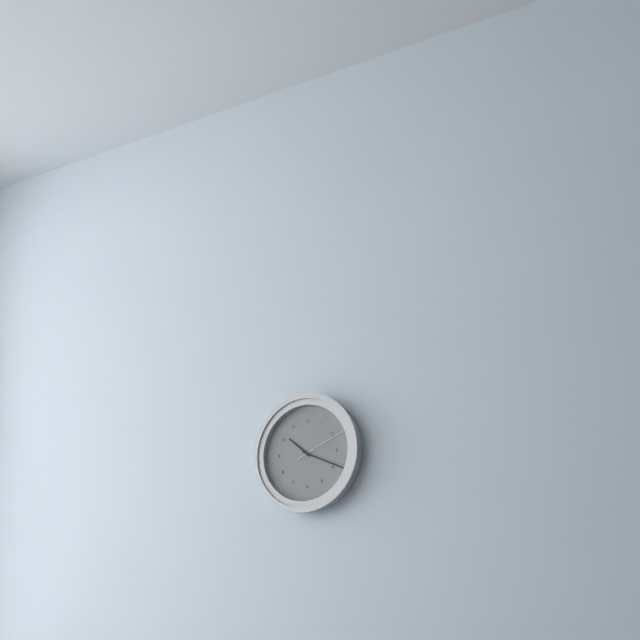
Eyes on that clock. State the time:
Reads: 10:19:11
